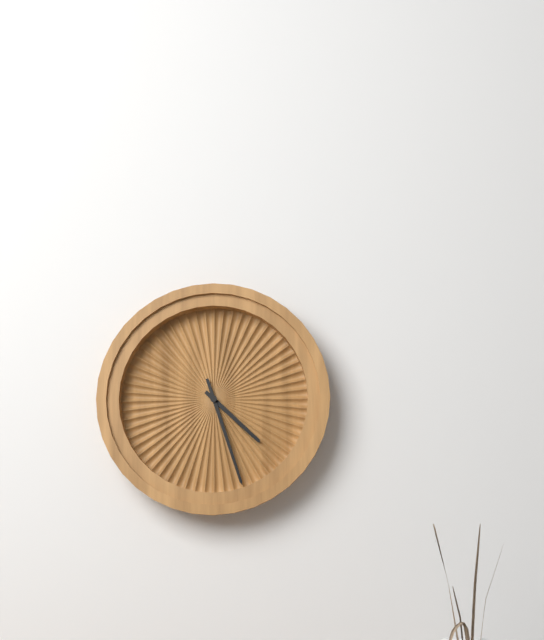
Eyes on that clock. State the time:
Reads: 4:27
